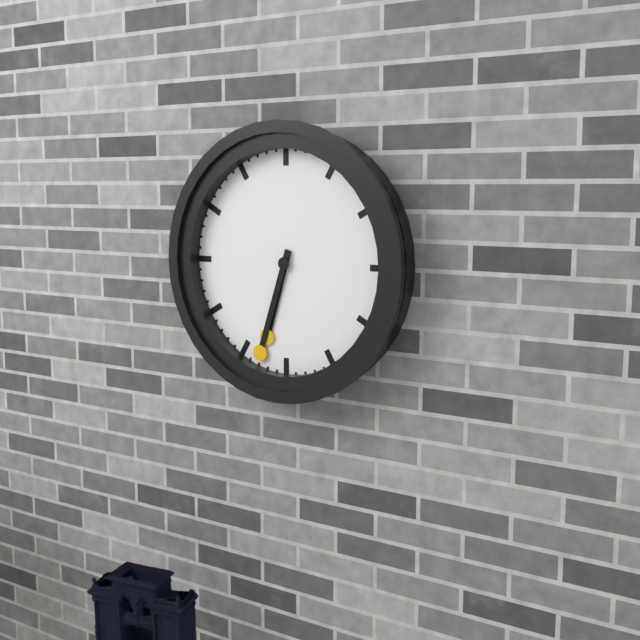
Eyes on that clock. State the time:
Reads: 6:33
